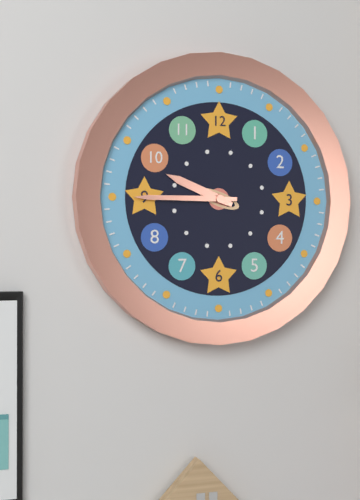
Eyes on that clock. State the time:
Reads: 9:45
